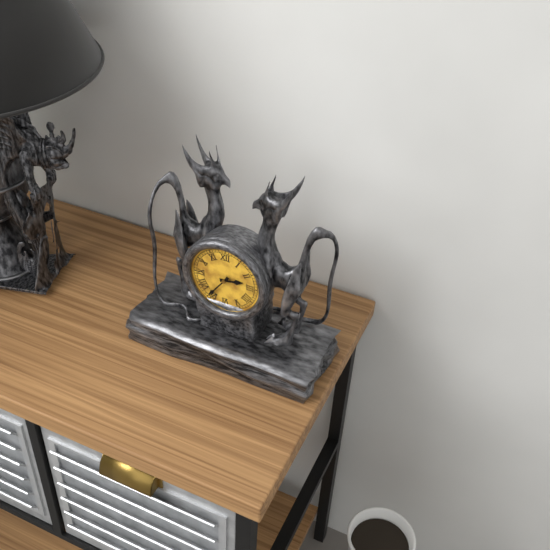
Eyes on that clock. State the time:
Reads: 2:36
